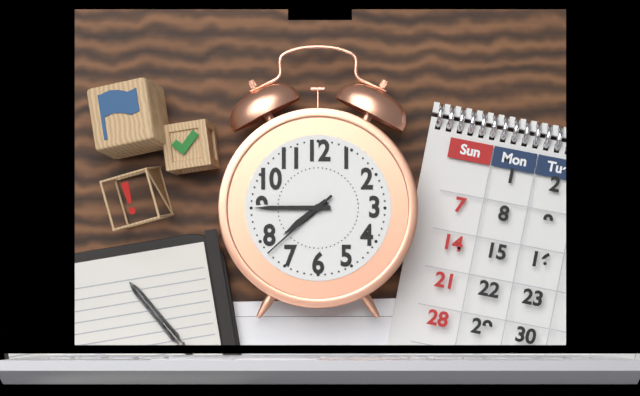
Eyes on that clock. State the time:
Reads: 7:45:38
